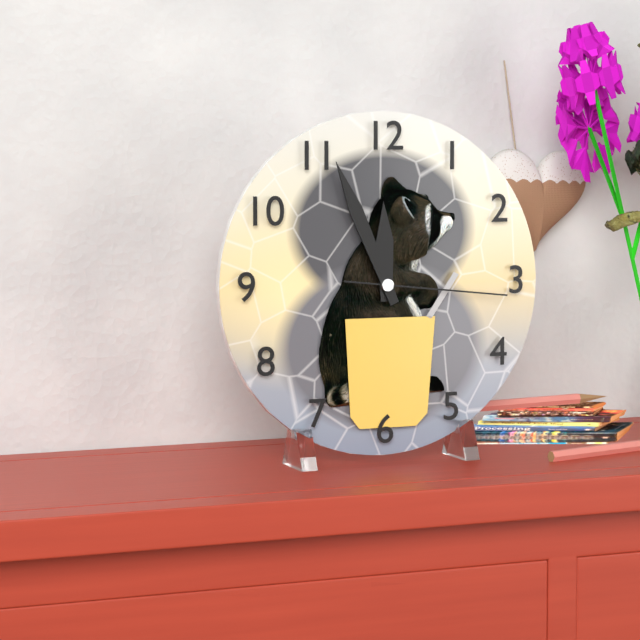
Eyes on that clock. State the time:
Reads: 11:56:16
